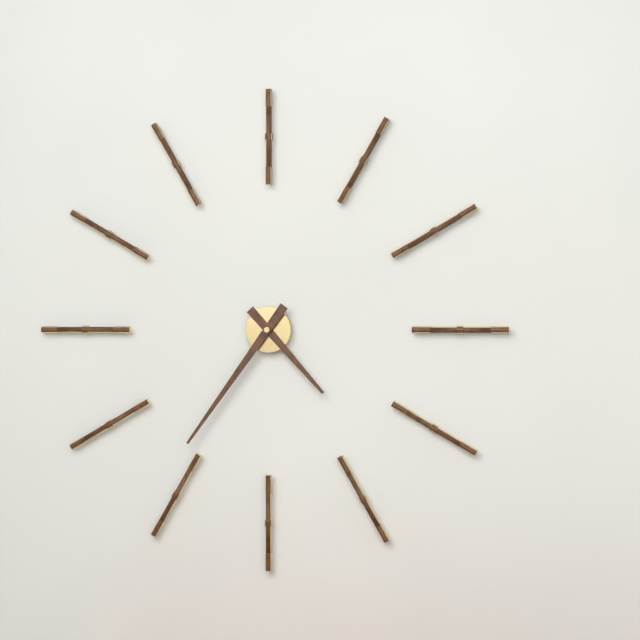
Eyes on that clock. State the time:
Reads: 4:36
